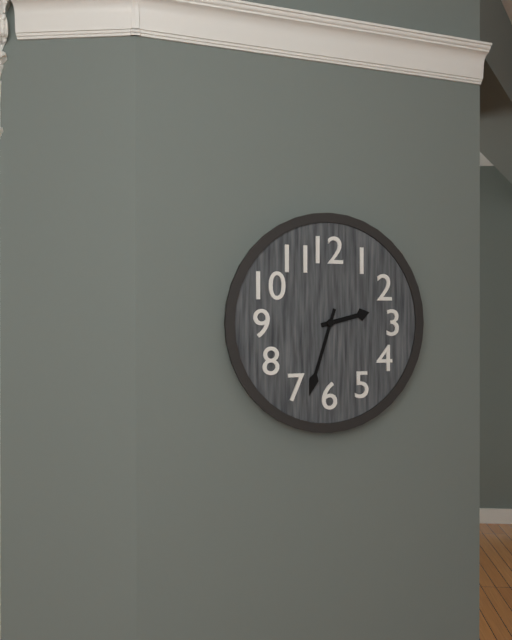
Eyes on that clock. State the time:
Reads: 2:33
